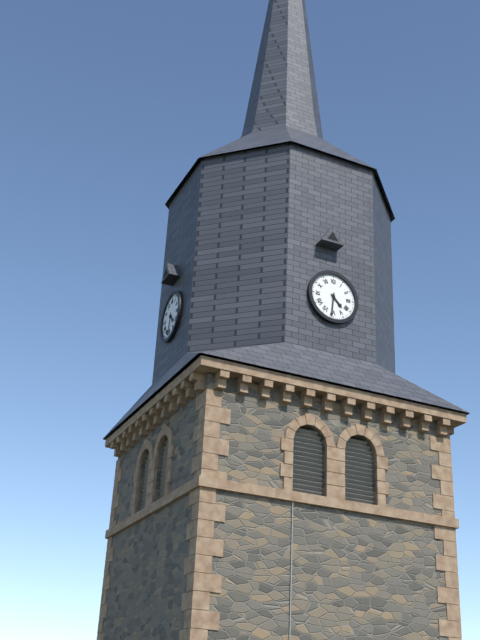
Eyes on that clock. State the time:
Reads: 4:31
